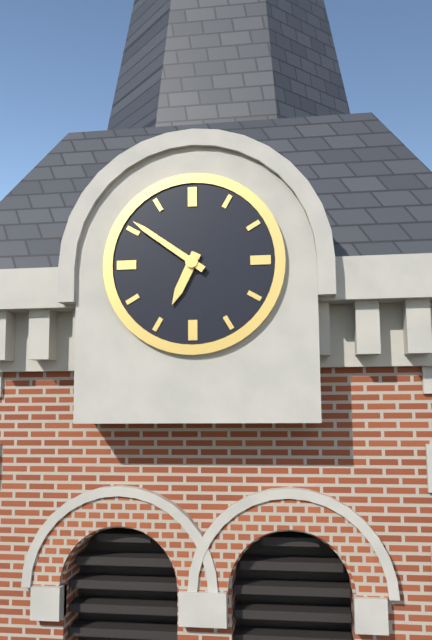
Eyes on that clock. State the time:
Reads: 6:51
